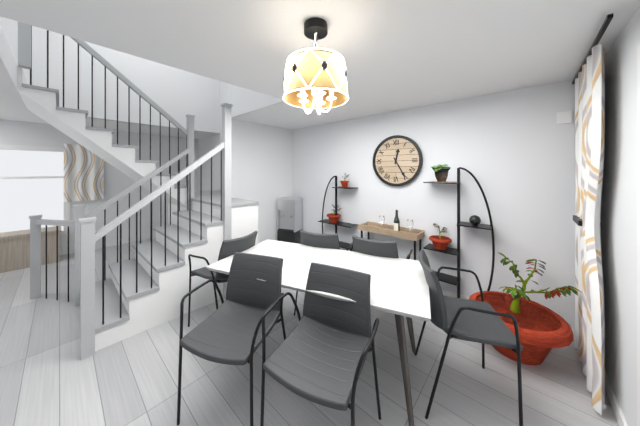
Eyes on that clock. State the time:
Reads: 12:25
